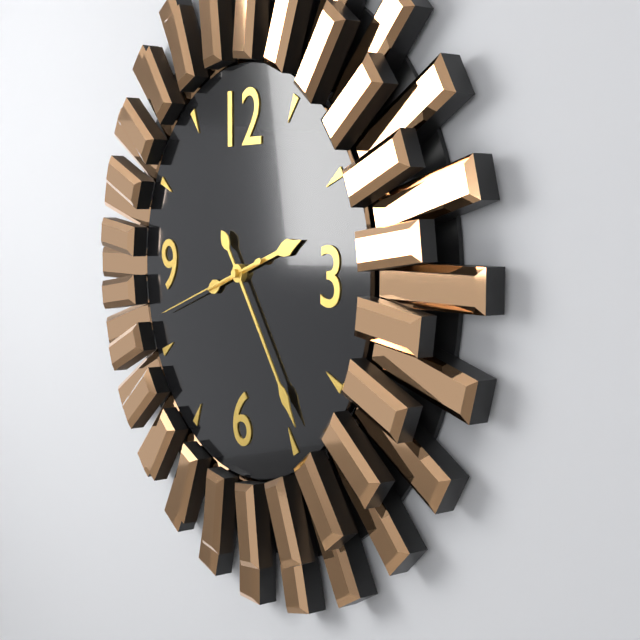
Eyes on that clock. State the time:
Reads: 2:24:42
